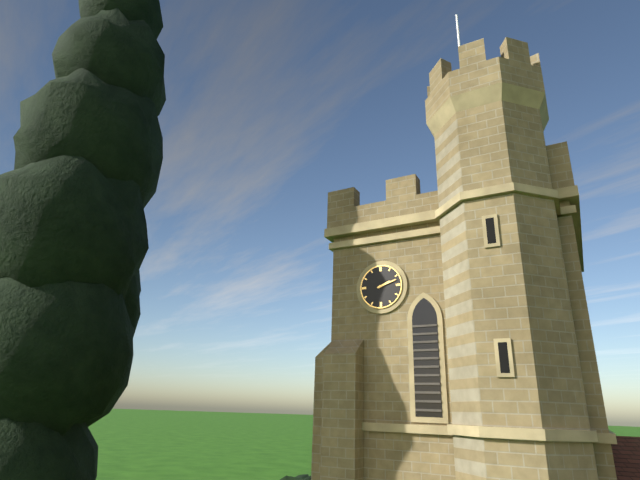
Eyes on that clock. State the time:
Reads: 2:12
